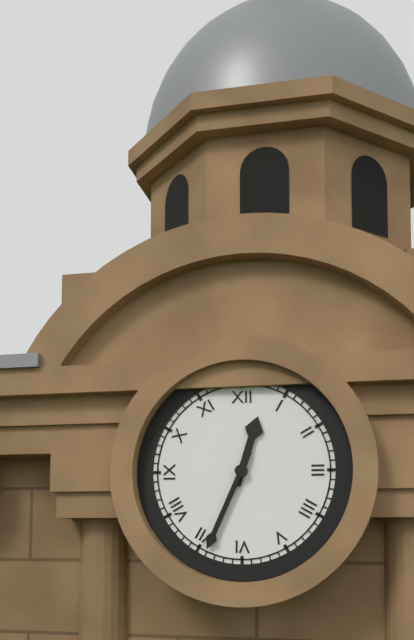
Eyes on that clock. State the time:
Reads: 12:34
